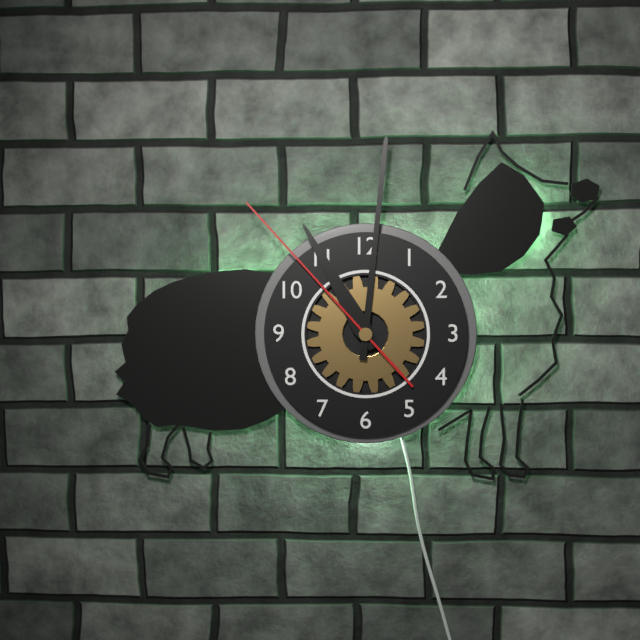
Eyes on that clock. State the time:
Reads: 11:01:53
